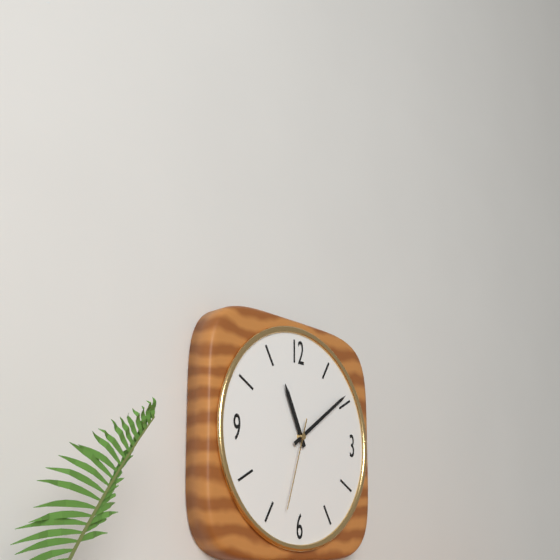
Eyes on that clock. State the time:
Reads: 11:09:33
